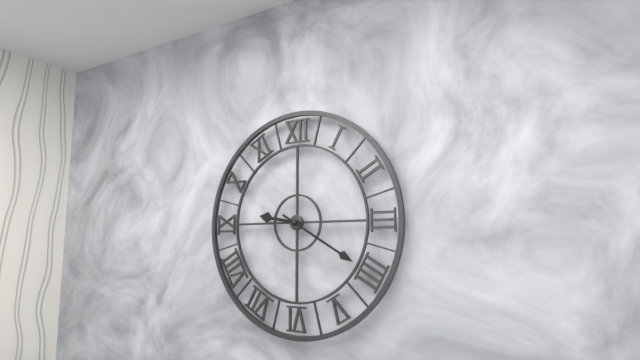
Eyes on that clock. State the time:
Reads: 9:20
